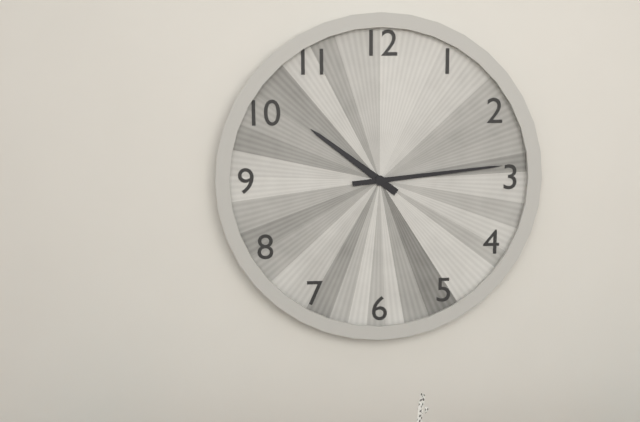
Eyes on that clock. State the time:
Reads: 10:14
